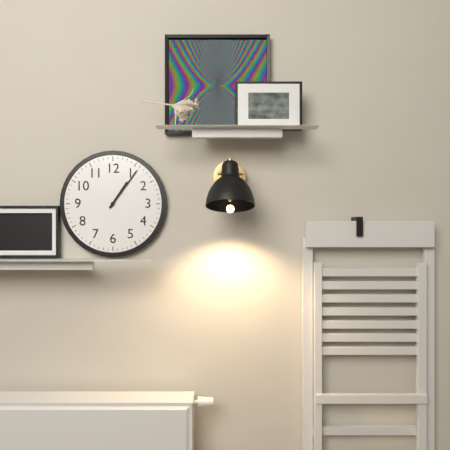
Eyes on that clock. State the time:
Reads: 1:06
